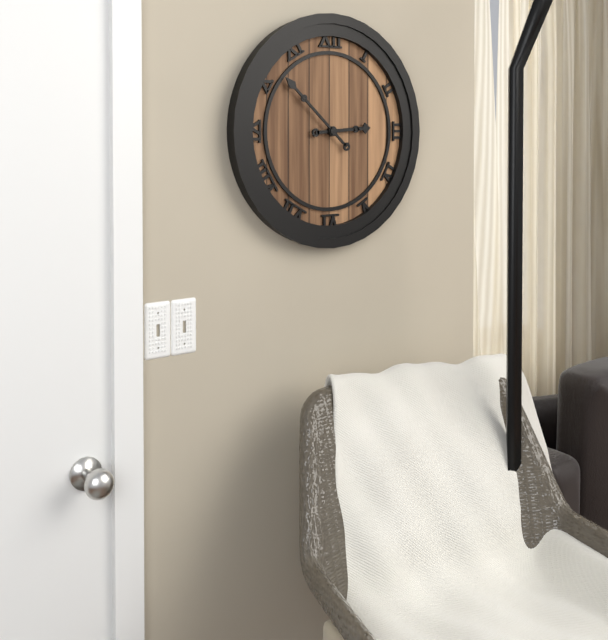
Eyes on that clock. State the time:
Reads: 2:52
